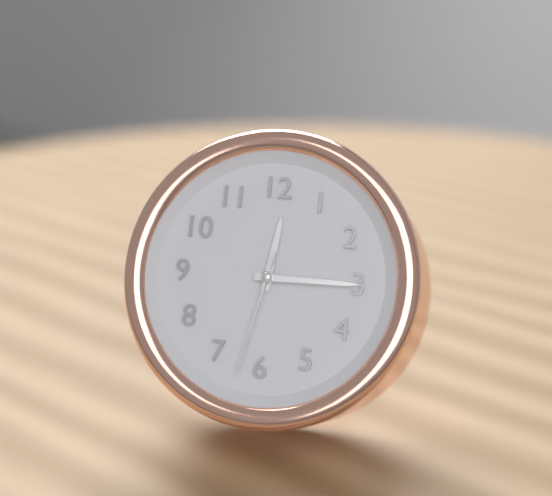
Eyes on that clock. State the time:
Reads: 12:15:32
